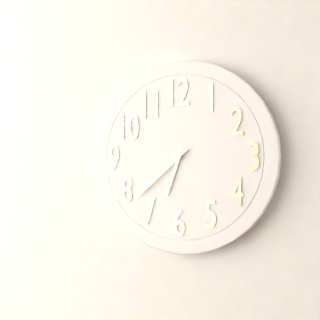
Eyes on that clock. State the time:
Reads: 6:38
